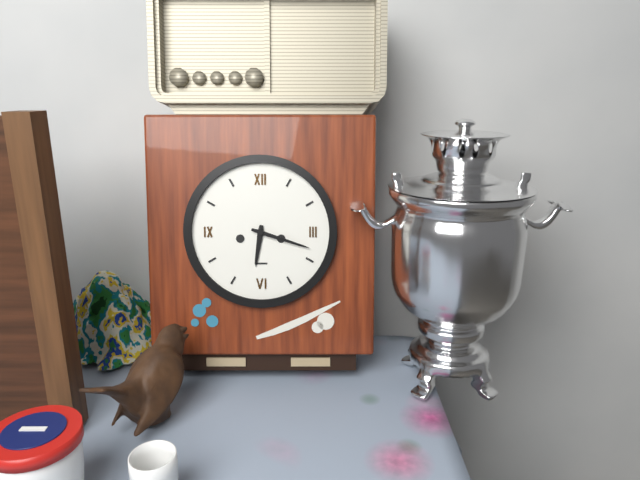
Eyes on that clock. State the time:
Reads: 6:18
